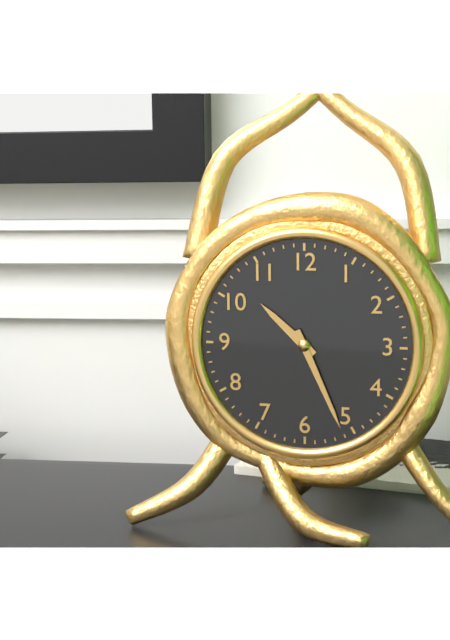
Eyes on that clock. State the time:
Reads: 10:26
